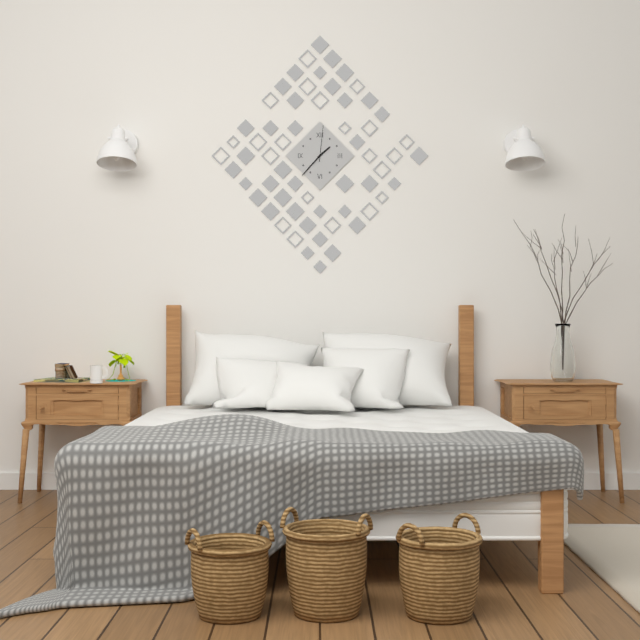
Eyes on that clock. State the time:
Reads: 1:37
